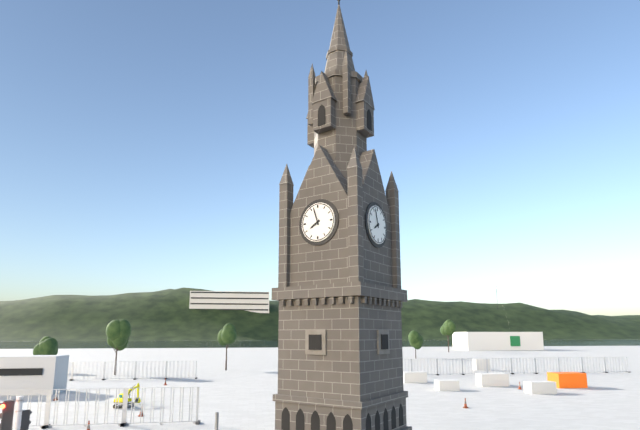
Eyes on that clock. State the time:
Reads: 7:57
